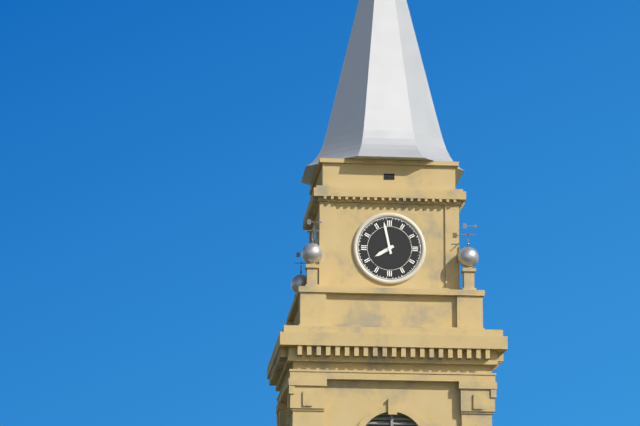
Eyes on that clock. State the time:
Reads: 7:58
